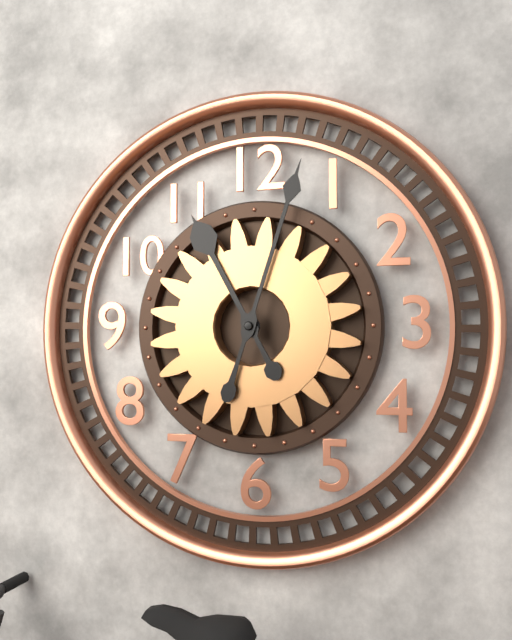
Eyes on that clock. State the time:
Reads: 11:03
